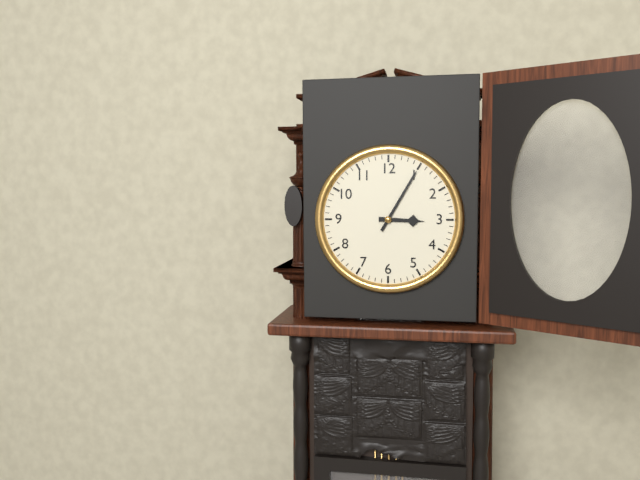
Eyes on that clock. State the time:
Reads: 3:05
